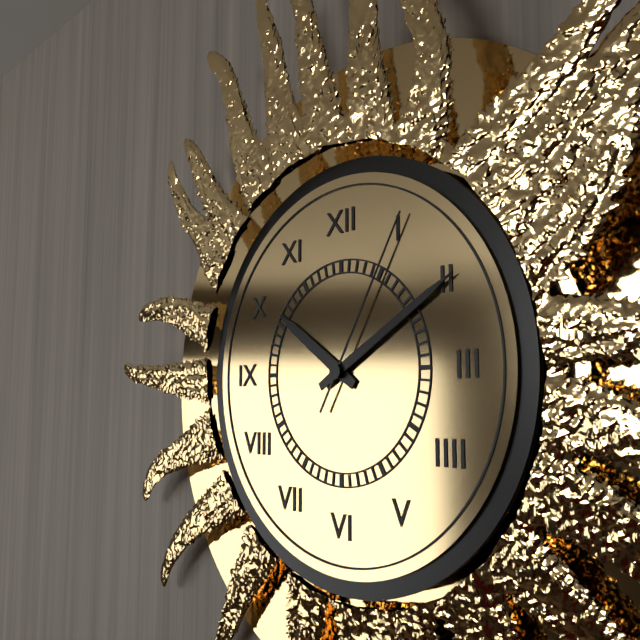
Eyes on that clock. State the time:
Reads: 10:10:05
